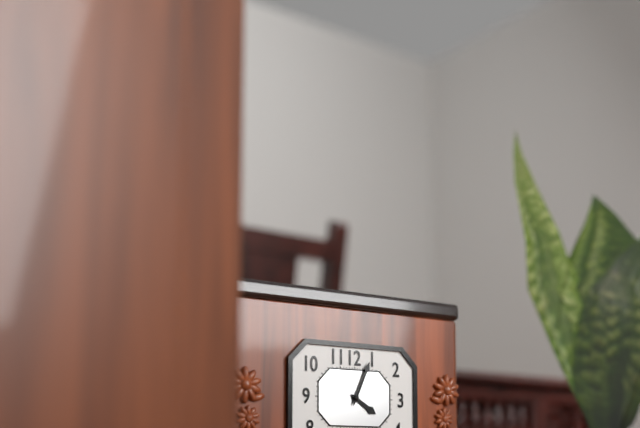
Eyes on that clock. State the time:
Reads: 4:04
